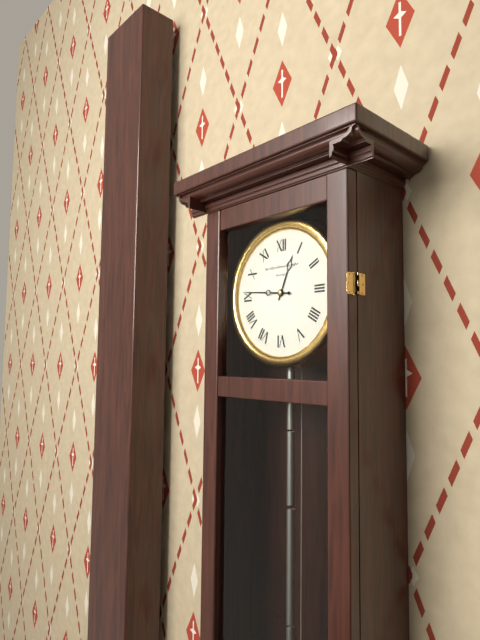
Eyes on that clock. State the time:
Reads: 12:46
